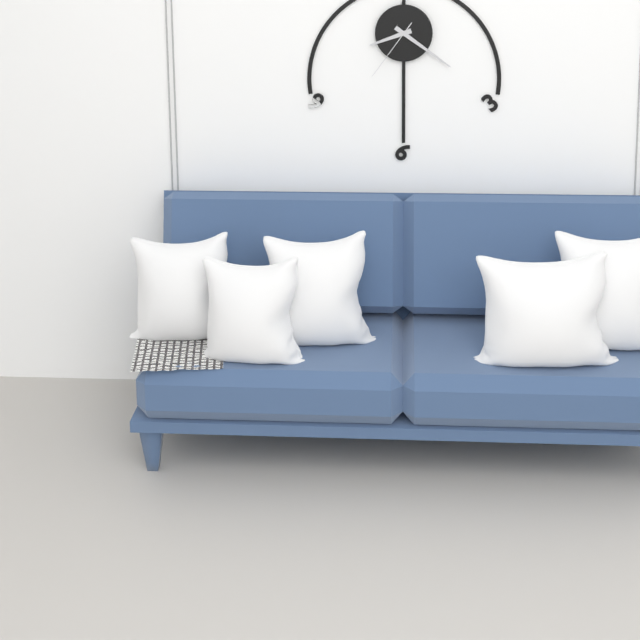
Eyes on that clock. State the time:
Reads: 8:21:36
